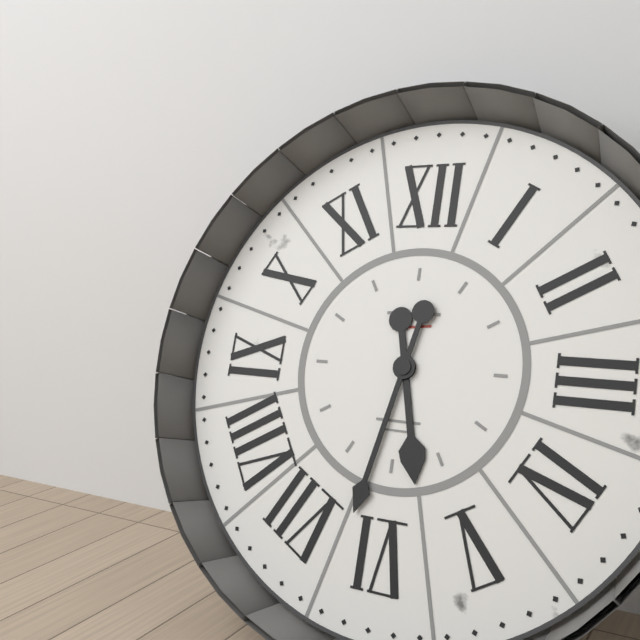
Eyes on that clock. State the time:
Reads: 5:32
